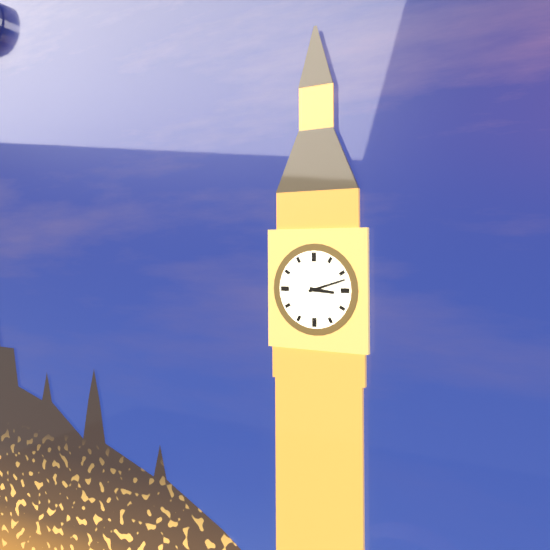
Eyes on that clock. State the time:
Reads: 3:12
